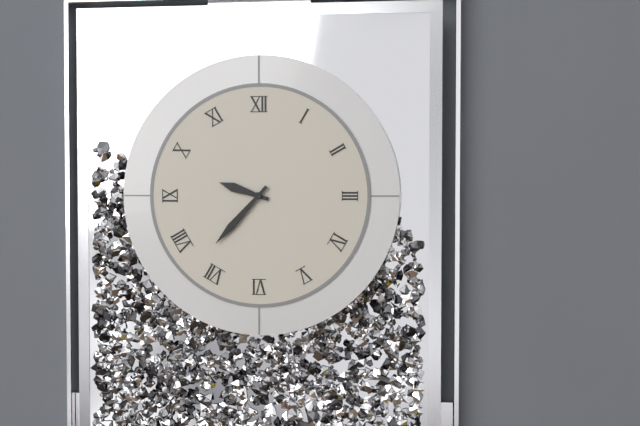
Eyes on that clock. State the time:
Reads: 9:37
